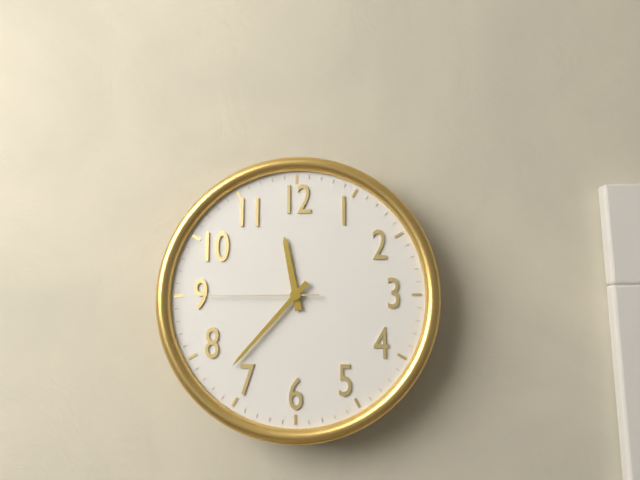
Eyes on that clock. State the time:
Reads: 11:37:45
